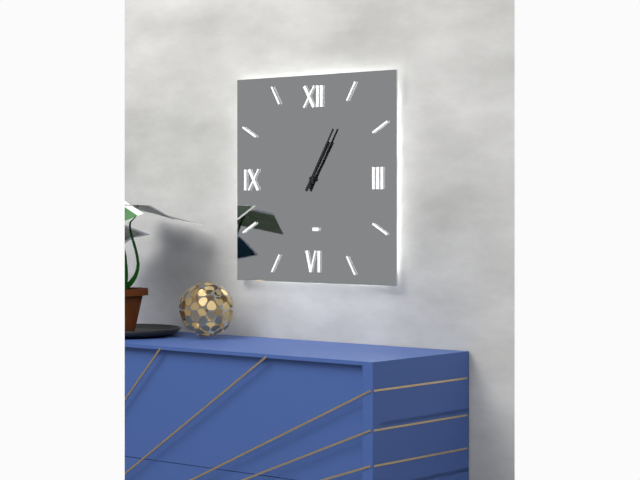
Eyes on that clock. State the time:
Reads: 1:05
